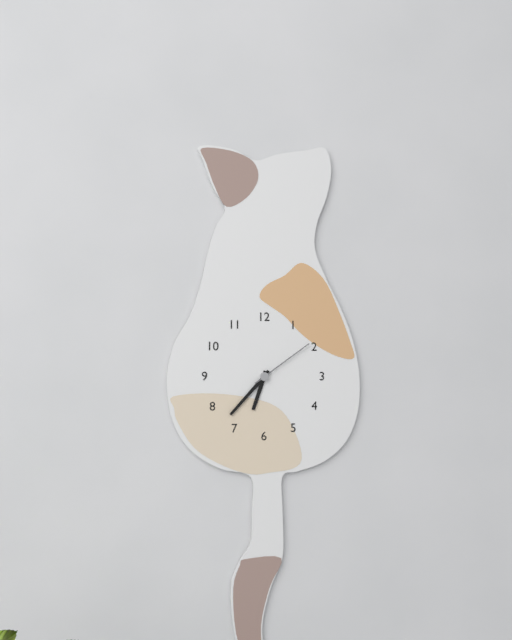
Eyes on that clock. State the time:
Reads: 6:37:09
